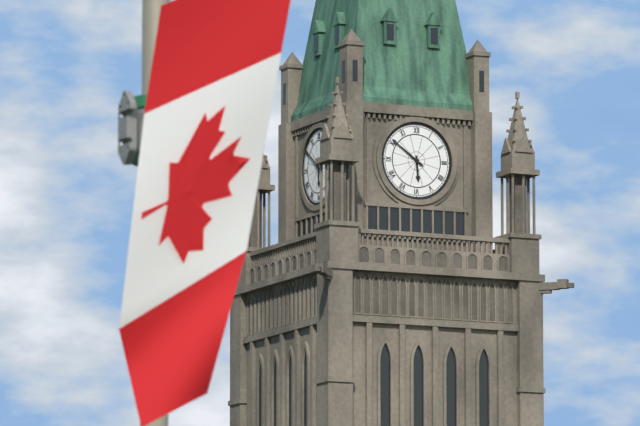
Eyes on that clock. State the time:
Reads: 5:51
